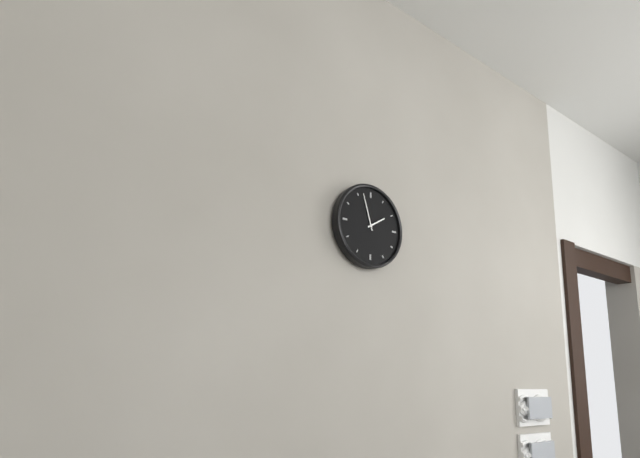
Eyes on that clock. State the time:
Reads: 1:57
